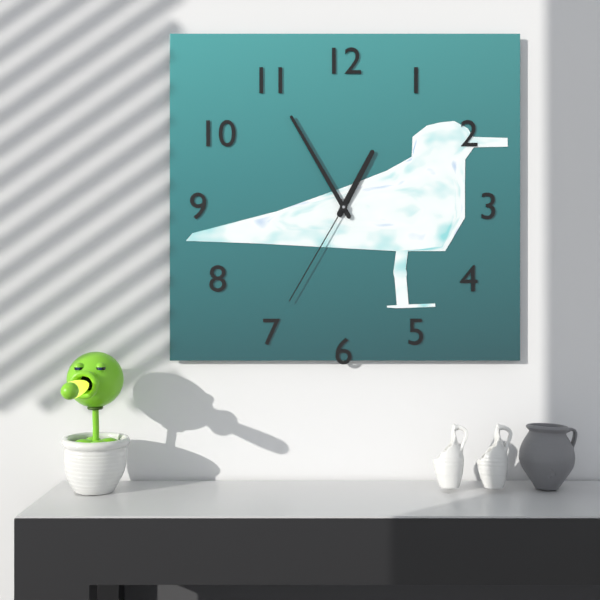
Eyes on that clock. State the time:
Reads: 12:55:35
